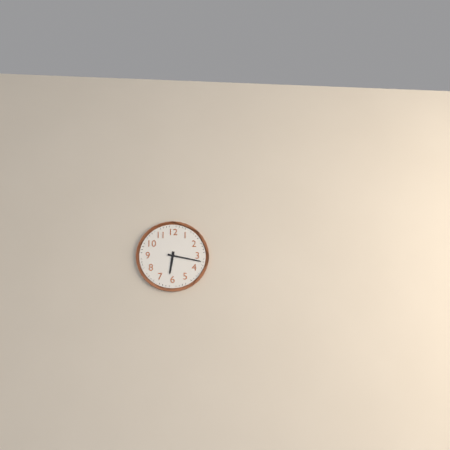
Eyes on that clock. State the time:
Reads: 6:17
